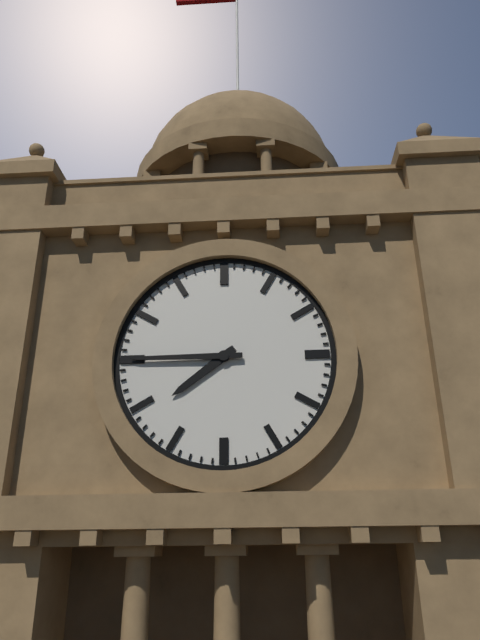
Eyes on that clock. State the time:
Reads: 7:45
